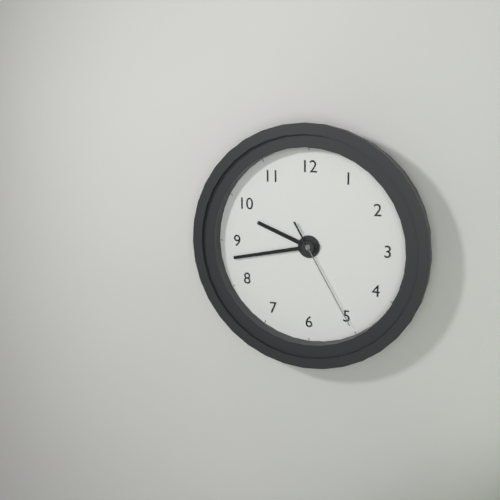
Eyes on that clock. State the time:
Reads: 9:43:25
